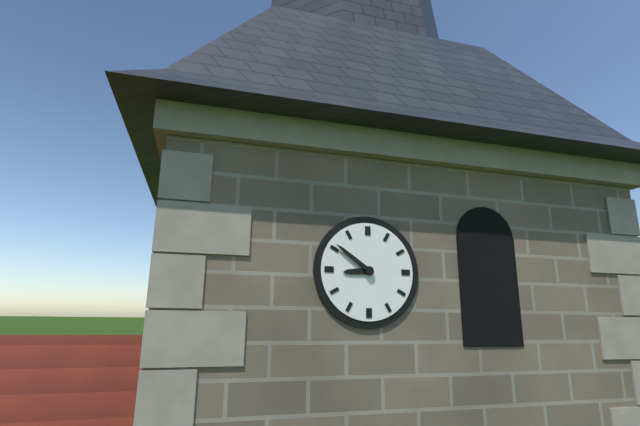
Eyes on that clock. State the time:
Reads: 8:51
